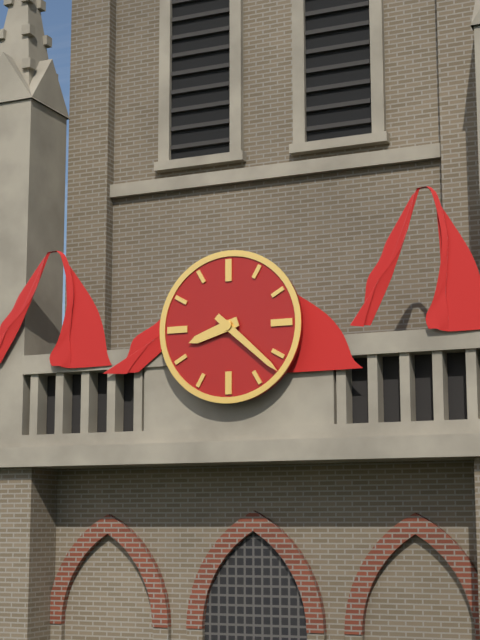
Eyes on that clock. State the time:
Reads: 8:22
